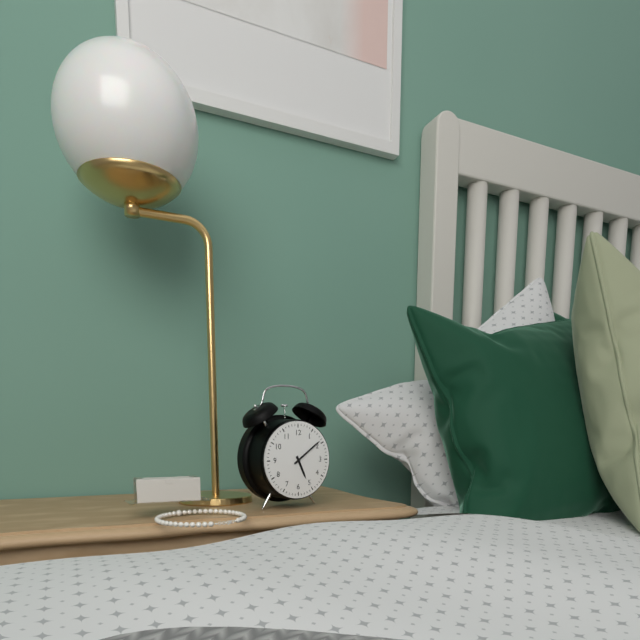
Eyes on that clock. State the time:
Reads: 5:09
